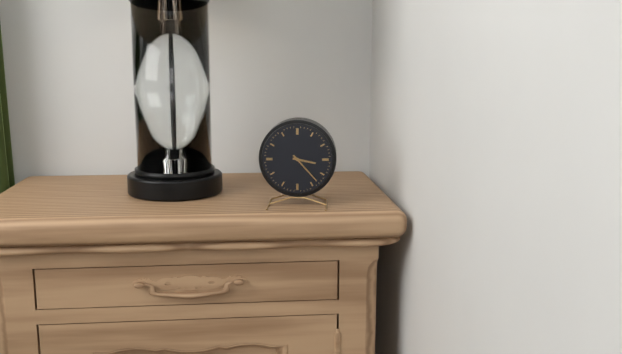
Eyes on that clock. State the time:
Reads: 3:23
